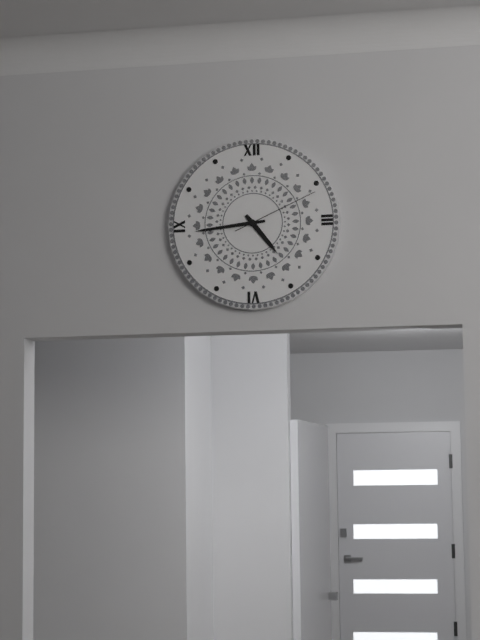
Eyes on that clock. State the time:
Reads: 4:44:11
